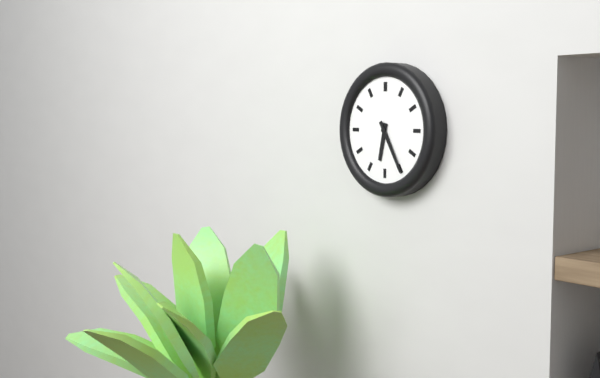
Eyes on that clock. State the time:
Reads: 6:25
